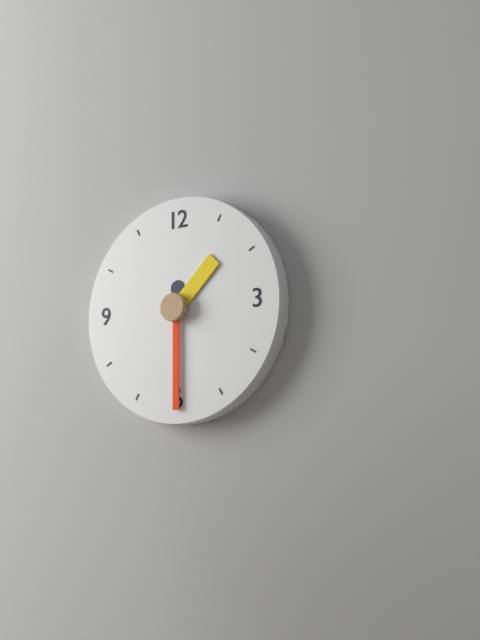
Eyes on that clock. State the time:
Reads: 1:30
